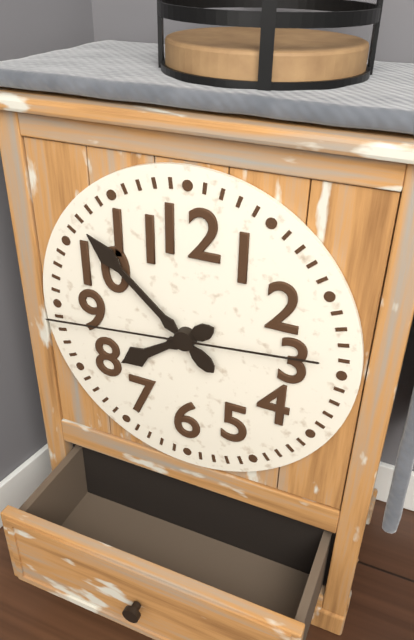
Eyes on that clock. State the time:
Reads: 7:52:44
